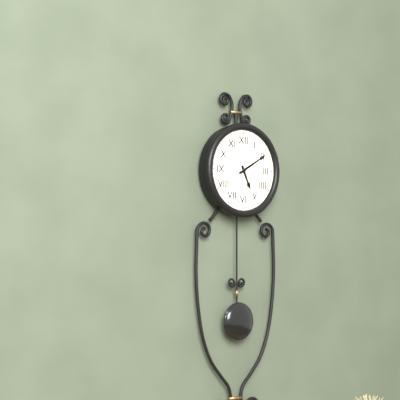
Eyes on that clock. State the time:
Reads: 5:10
